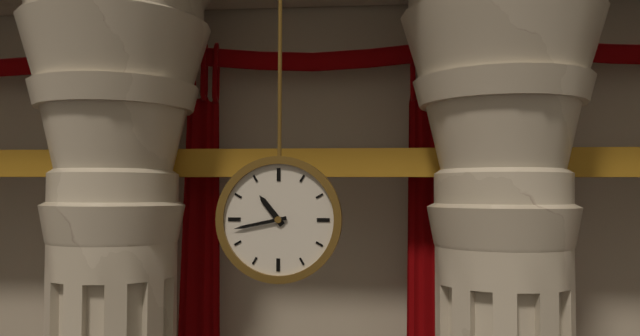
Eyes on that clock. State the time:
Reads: 10:43
